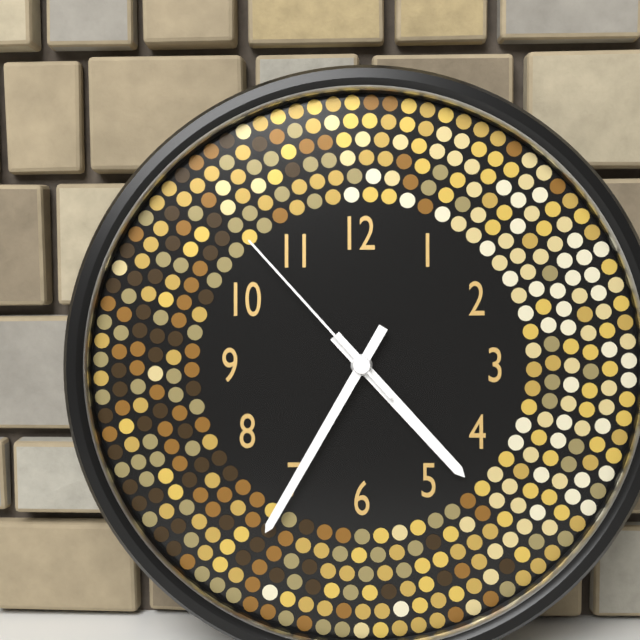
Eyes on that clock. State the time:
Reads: 4:35:53
